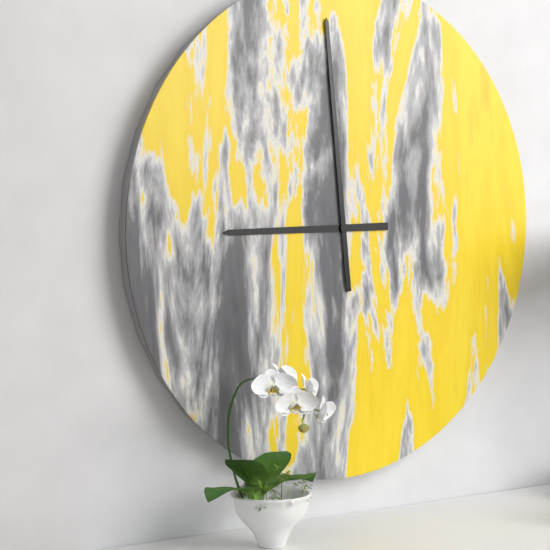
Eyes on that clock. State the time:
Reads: 8:59
